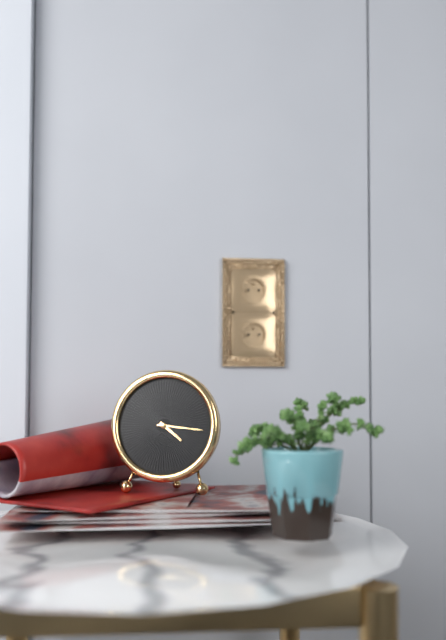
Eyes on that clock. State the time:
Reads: 4:16
